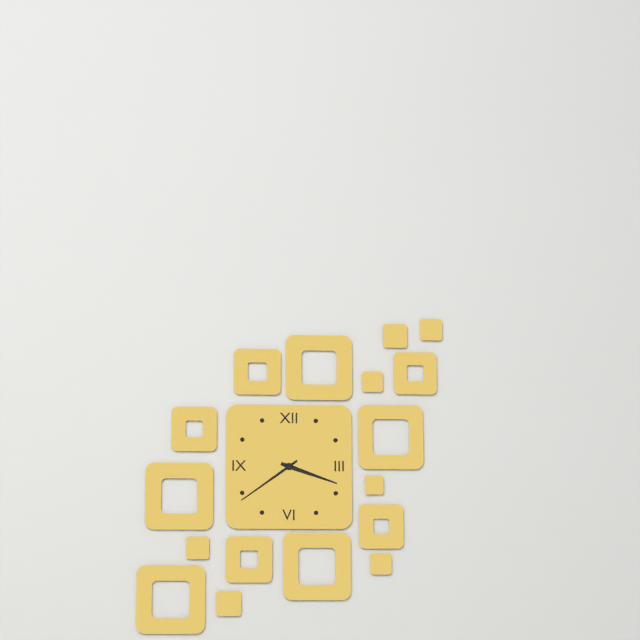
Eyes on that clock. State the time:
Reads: 3:39
